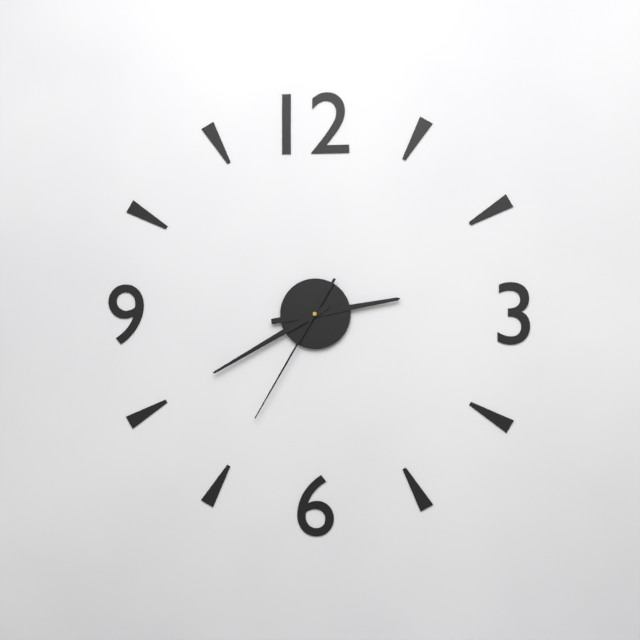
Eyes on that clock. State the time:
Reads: 2:40:35
